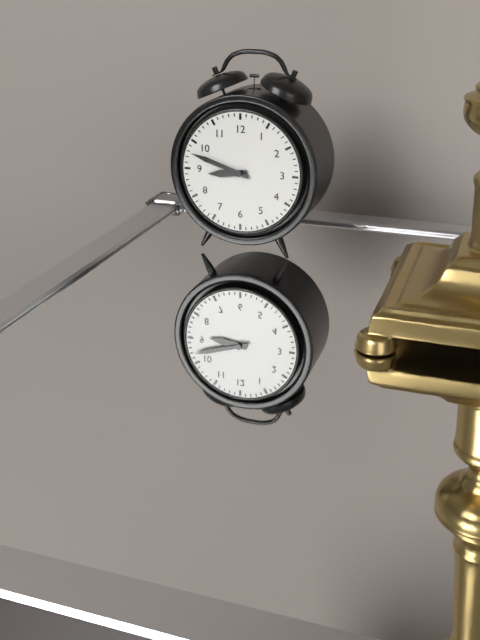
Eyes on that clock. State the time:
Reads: 8:48
